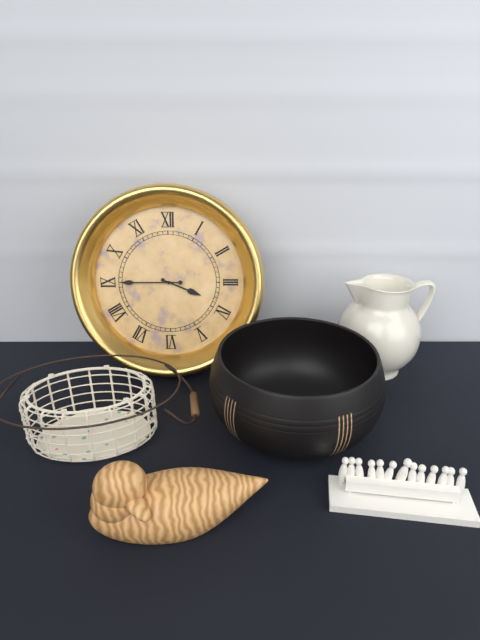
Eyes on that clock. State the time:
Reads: 3:45
